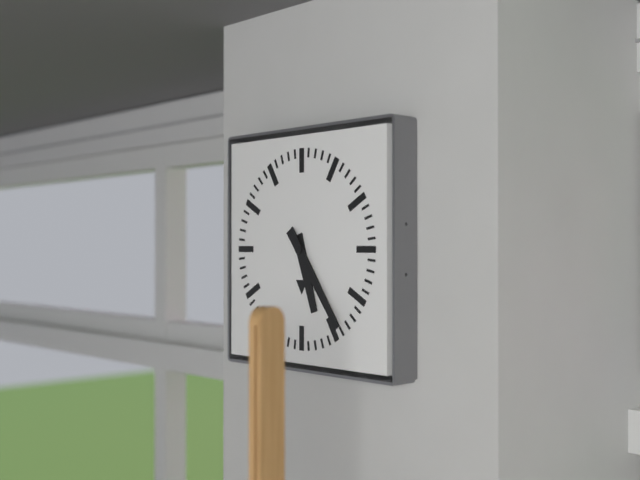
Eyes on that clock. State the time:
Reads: 5:24
